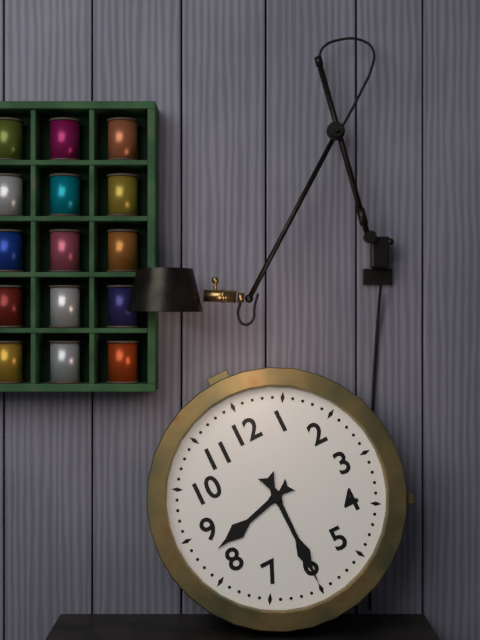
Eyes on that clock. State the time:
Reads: 8:30
